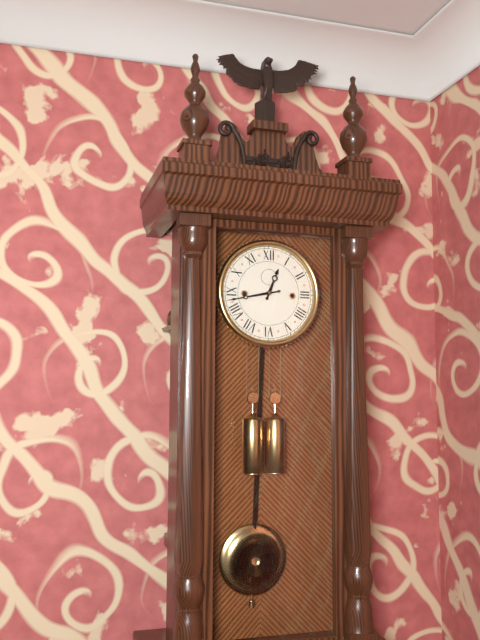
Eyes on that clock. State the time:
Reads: 12:43
